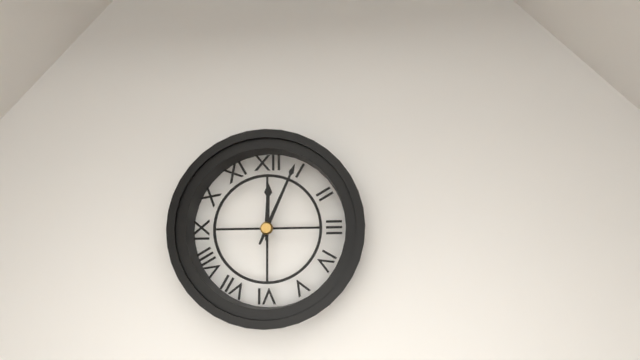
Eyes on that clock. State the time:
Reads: 12:04
